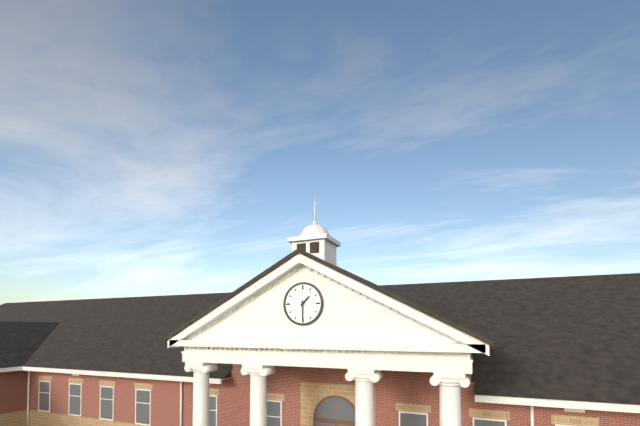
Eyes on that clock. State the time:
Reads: 1:30
